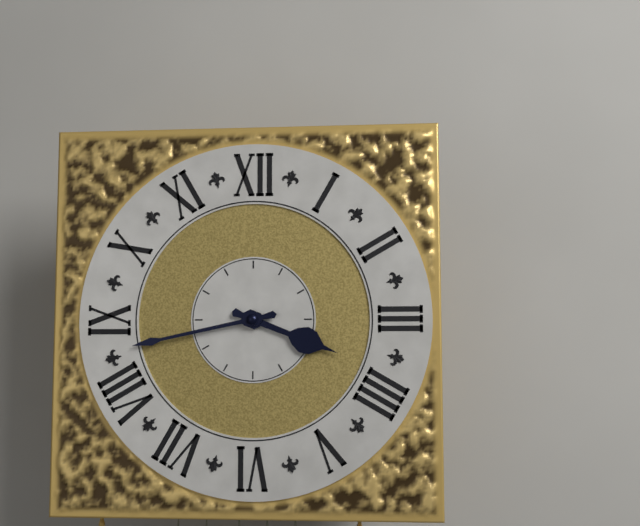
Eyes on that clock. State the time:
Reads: 3:43
